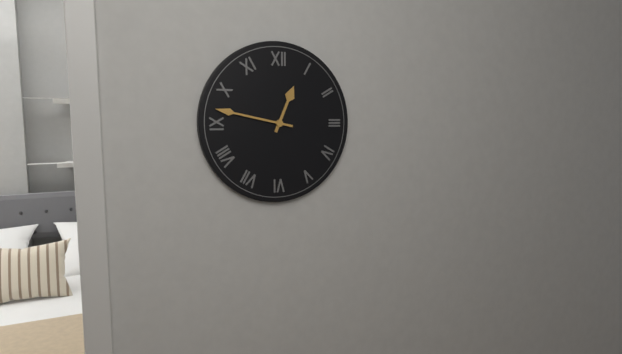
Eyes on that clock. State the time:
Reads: 12:47
